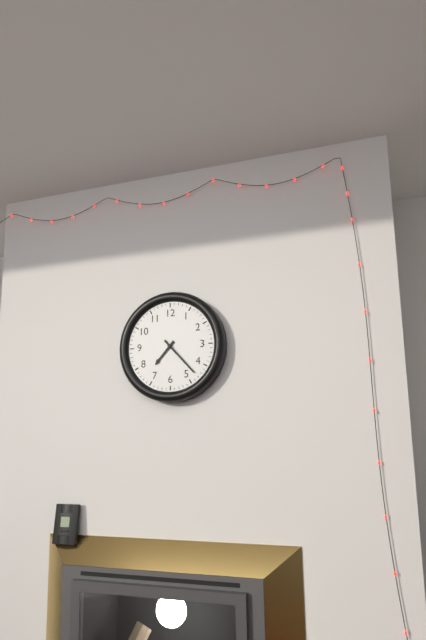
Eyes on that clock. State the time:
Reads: 7:23
